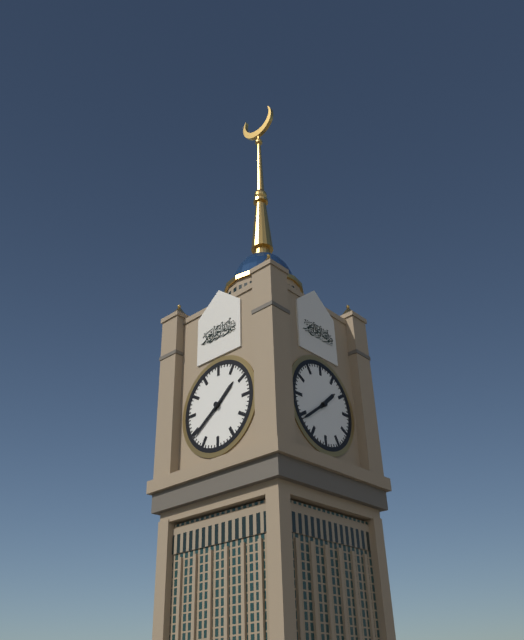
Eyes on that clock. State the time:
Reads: 1:39
